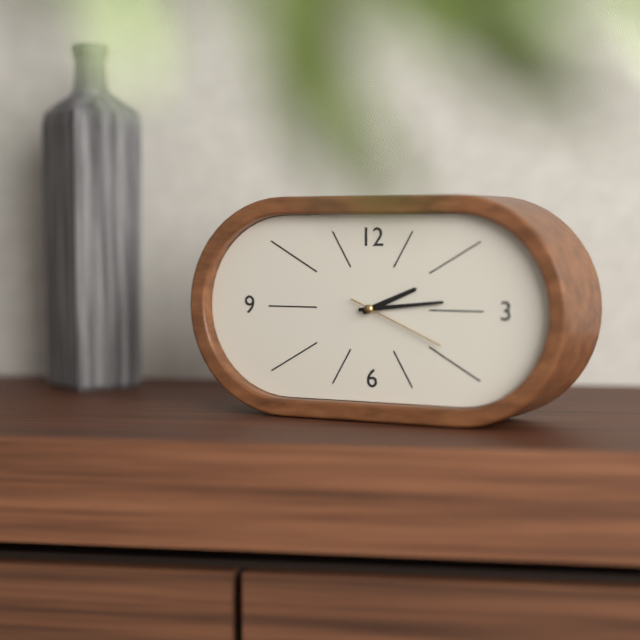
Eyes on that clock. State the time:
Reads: 2:14:19
